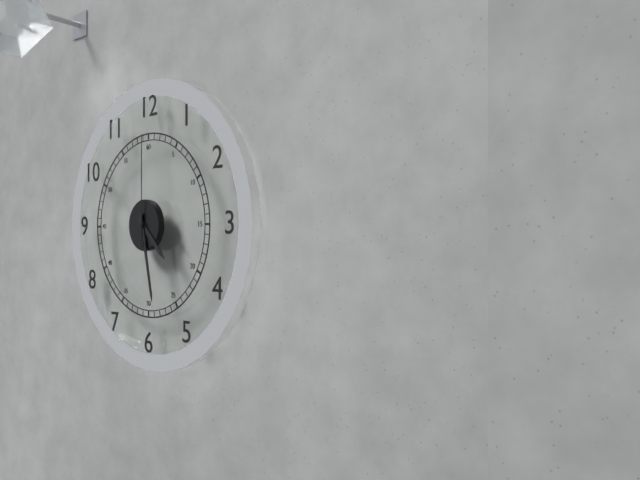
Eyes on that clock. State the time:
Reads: 4:28:00
